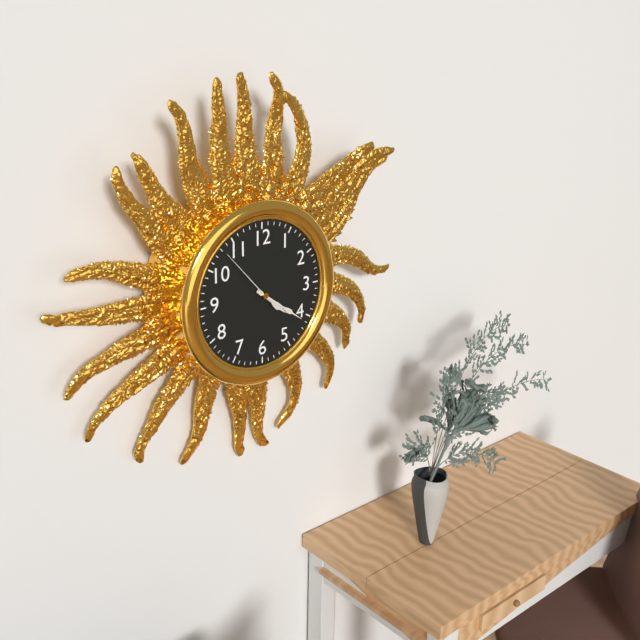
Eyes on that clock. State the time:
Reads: 4:21:53
